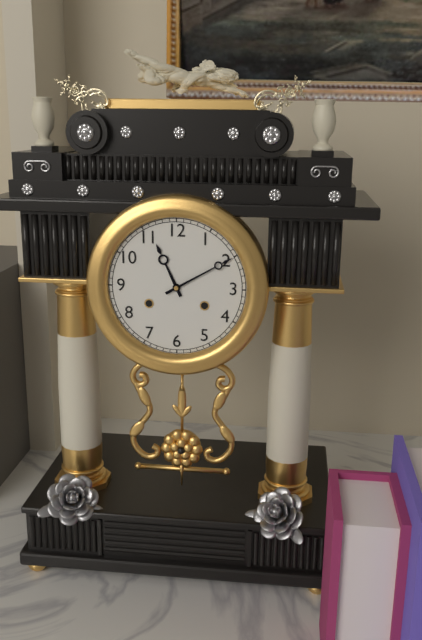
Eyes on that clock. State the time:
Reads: 11:10
